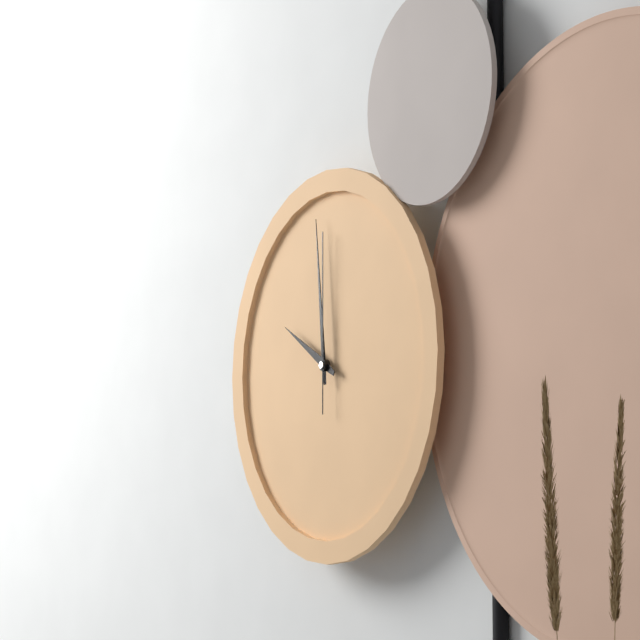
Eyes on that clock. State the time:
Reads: 9:59:00
